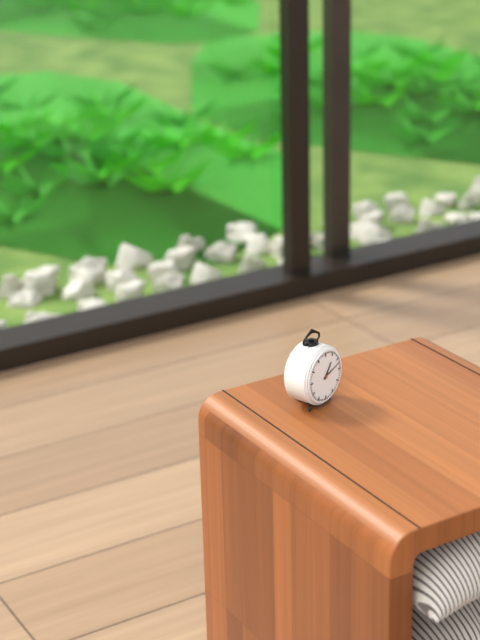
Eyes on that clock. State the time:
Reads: 1:12
